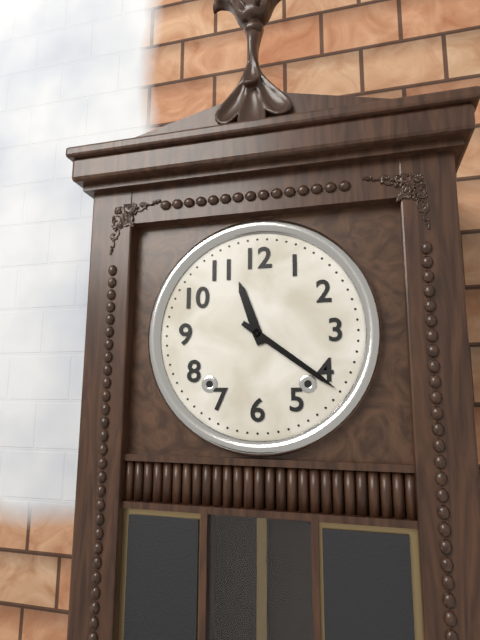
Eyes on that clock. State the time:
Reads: 11:21
